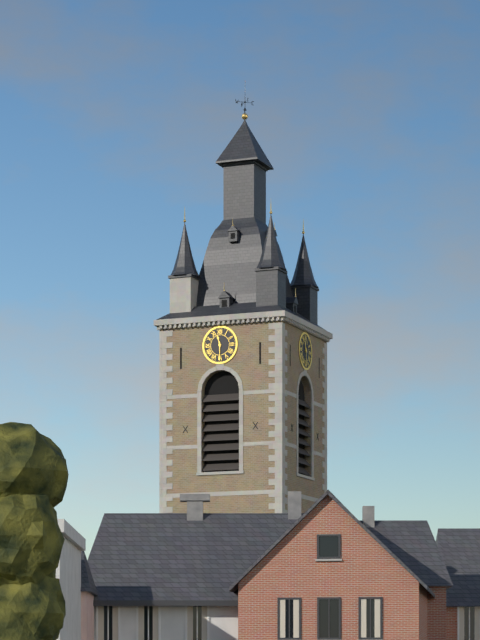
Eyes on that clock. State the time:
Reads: 11:30
